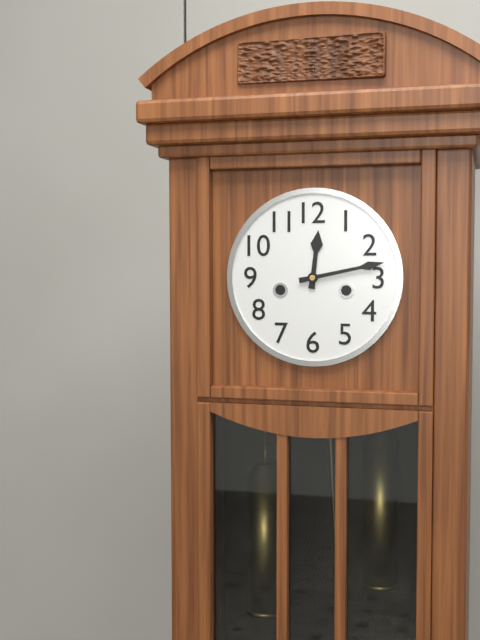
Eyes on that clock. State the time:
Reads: 12:13
